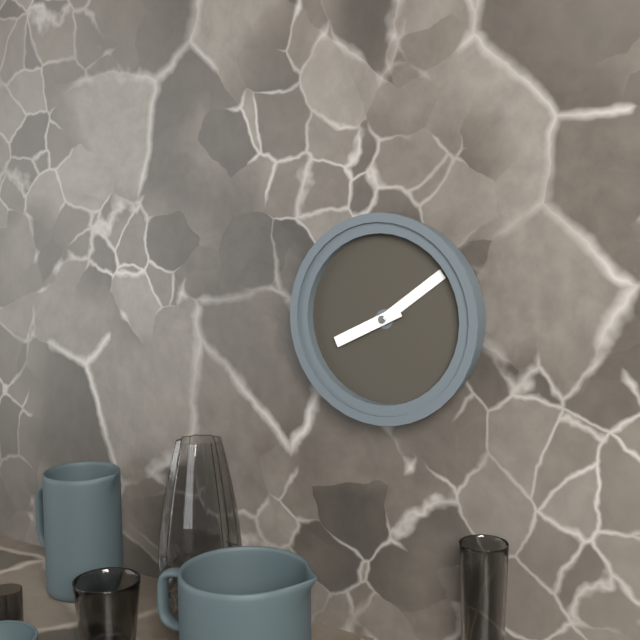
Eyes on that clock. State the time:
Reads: 8:09
